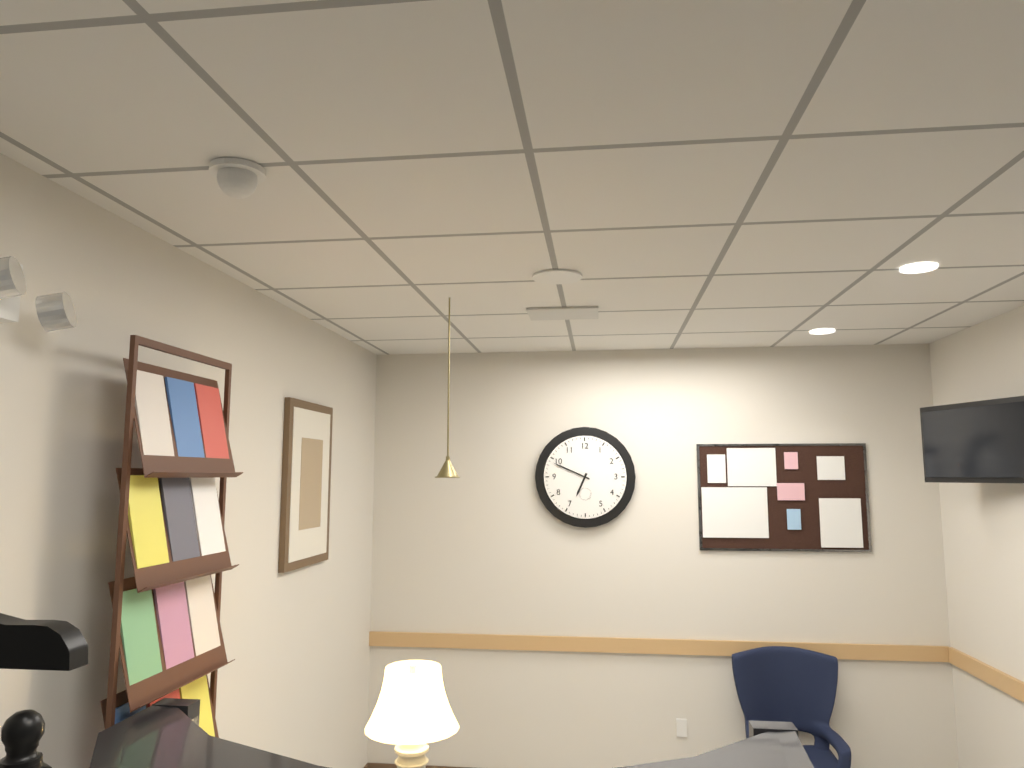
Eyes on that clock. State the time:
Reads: 6:49
